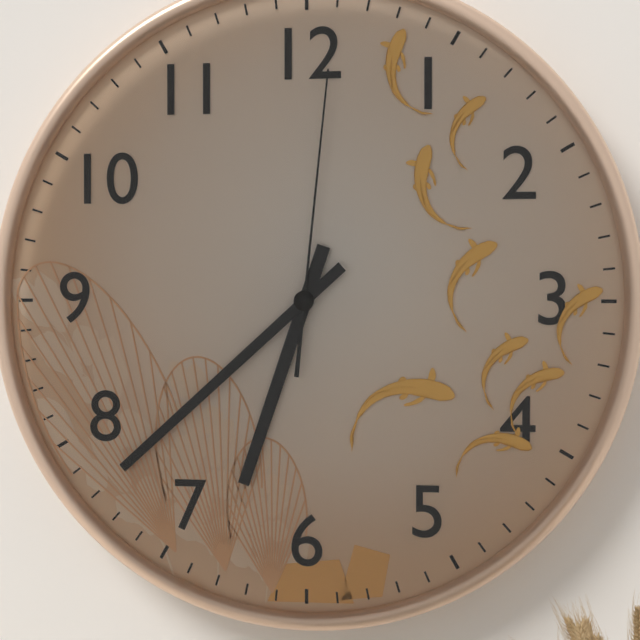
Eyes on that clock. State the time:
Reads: 6:38:01
